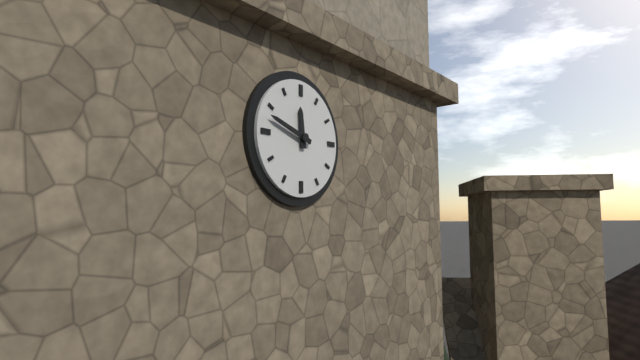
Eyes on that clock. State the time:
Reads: 11:48
